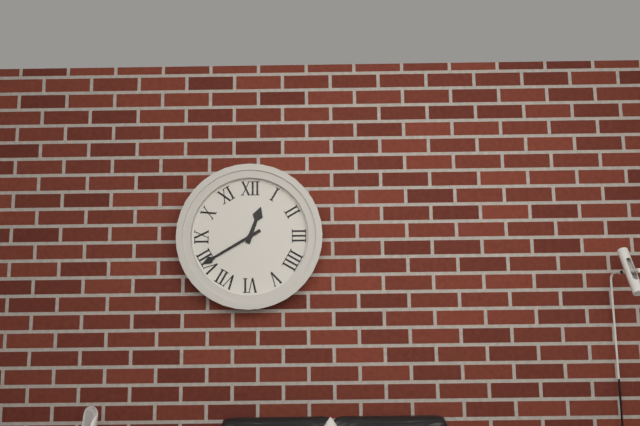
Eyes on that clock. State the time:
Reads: 12:40
